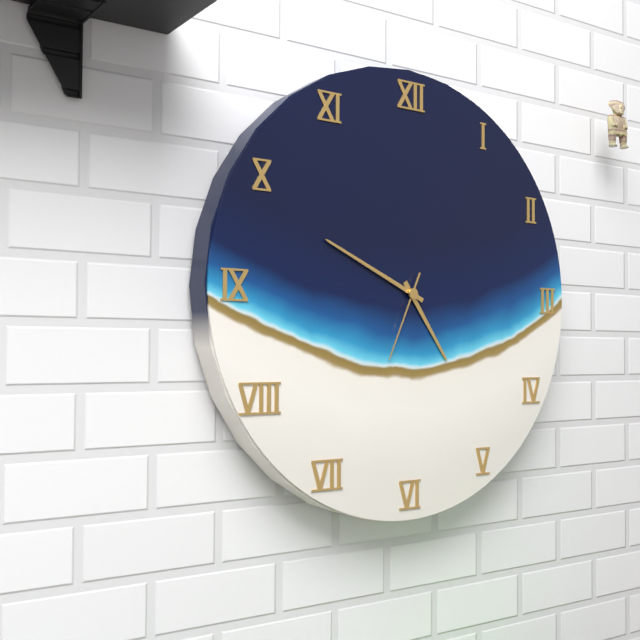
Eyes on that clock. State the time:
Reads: 4:49:34
